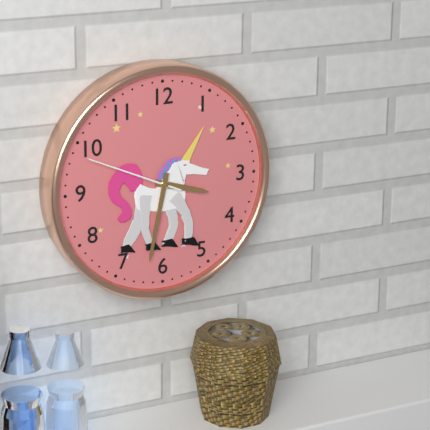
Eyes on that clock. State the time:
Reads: 3:32:49
